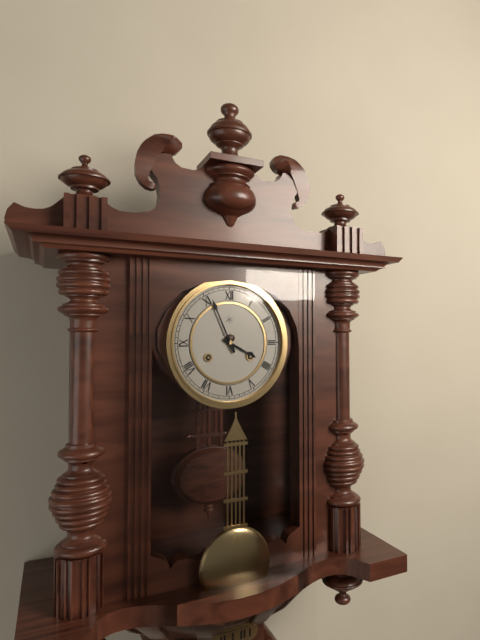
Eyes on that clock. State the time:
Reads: 3:56
